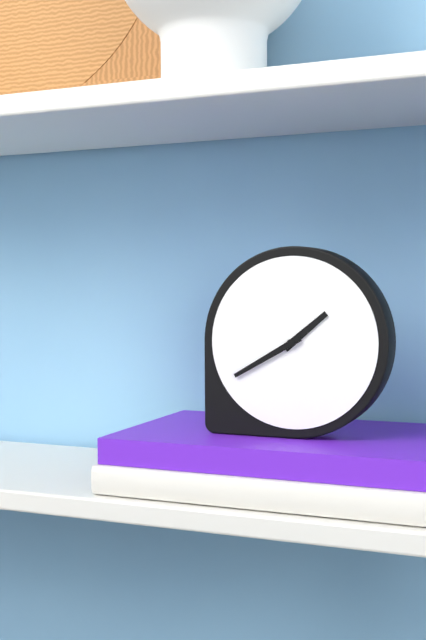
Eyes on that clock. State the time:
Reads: 1:40
